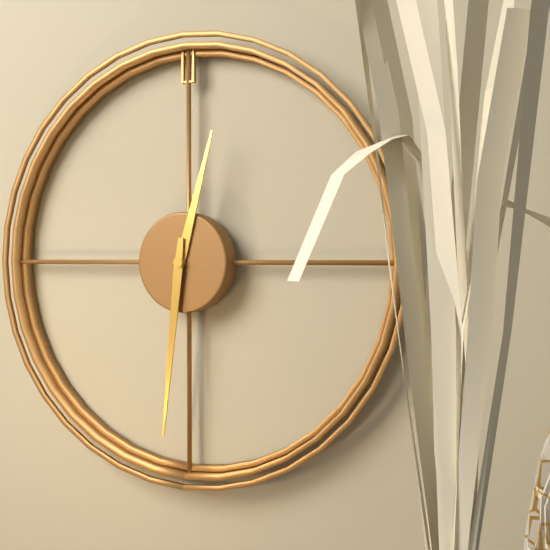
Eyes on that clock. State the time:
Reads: 12:31
